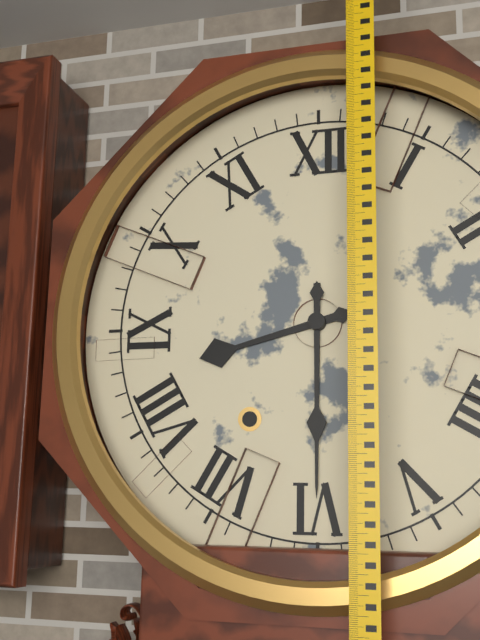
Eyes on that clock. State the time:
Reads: 8:30
